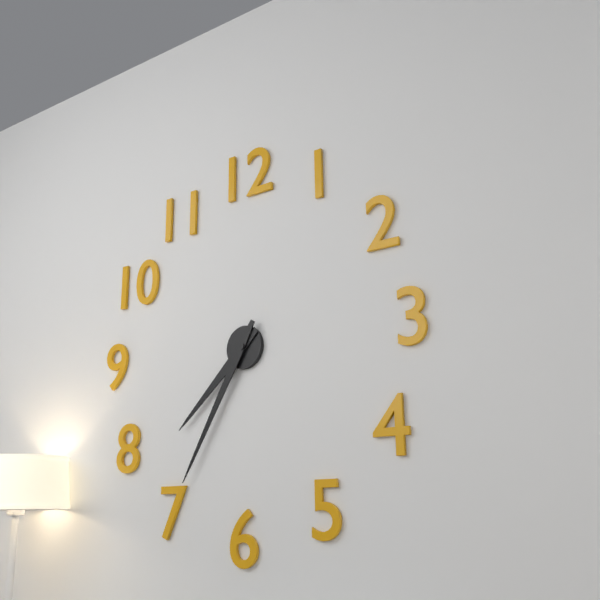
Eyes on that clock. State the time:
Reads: 7:35
